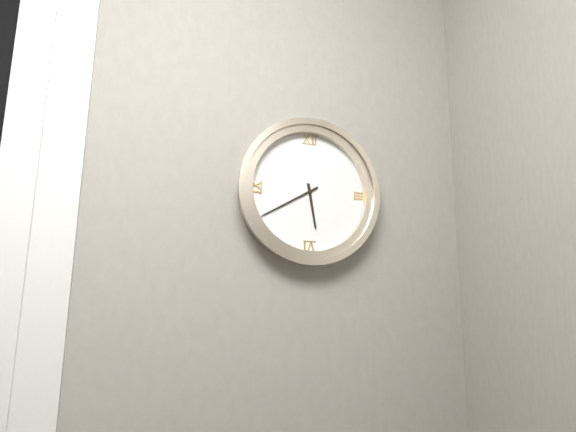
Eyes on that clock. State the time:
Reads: 5:40
